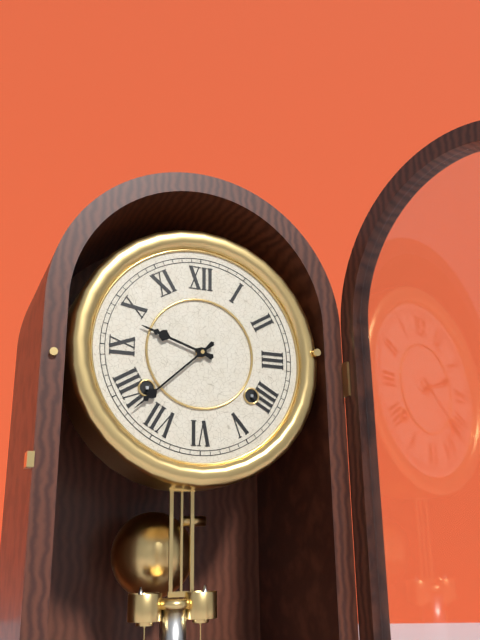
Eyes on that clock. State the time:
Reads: 9:38
